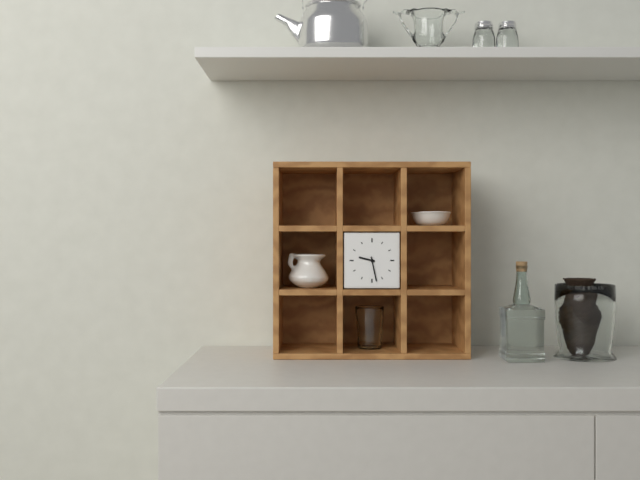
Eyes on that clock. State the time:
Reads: 9:28
